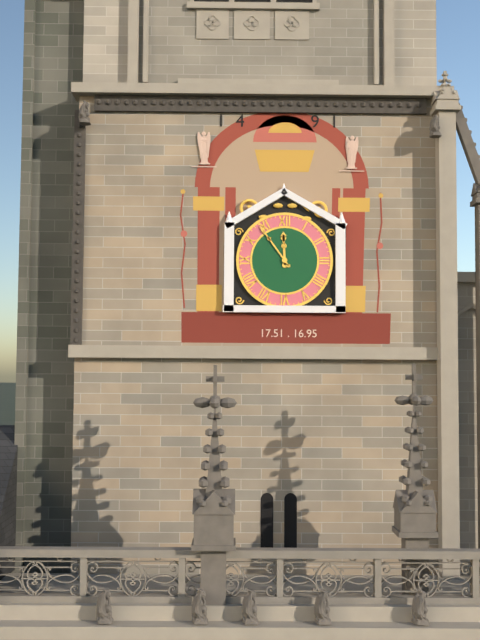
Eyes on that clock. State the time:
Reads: 11:54
